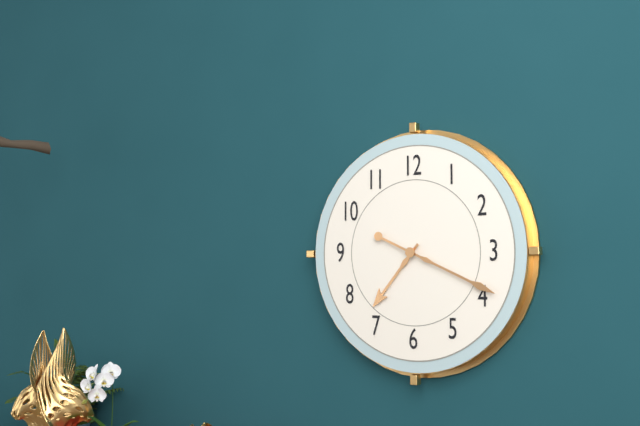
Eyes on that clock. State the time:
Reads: 7:19
